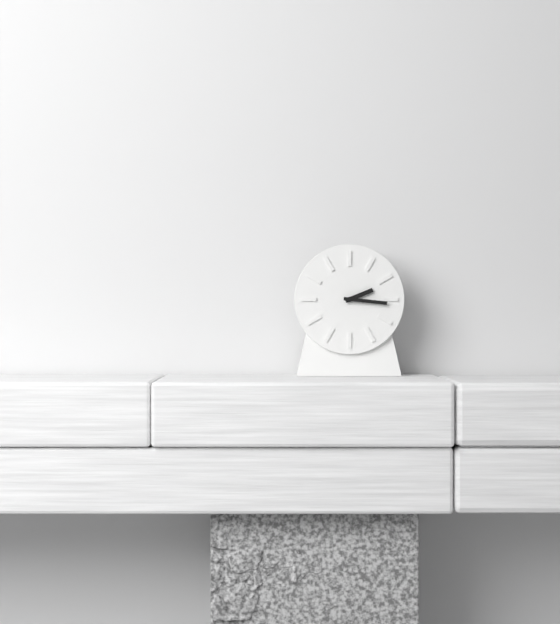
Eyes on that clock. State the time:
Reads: 2:16
